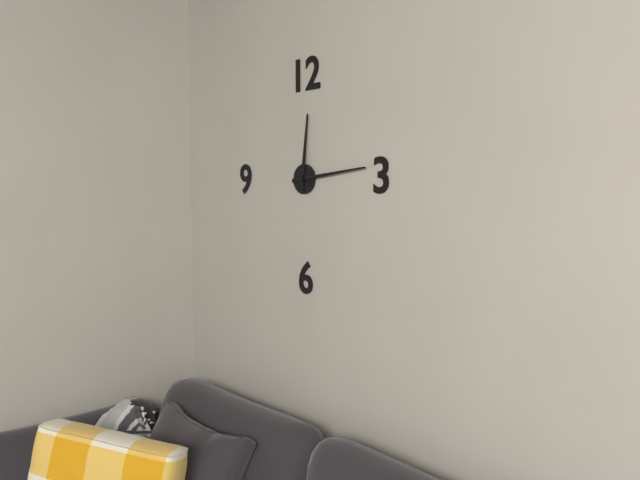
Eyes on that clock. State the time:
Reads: 12:14
